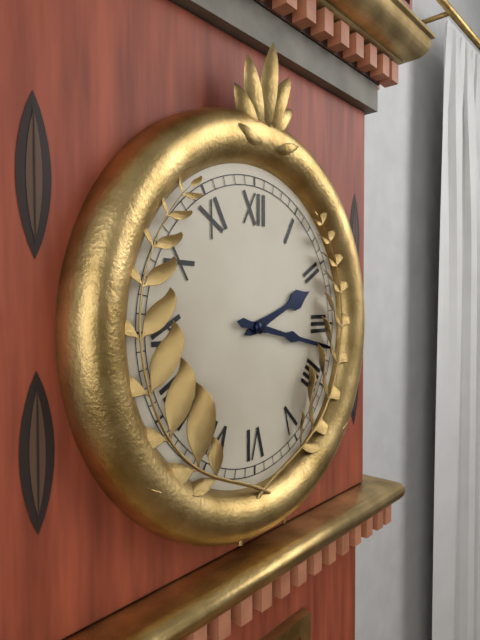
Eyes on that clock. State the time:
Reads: 2:17
